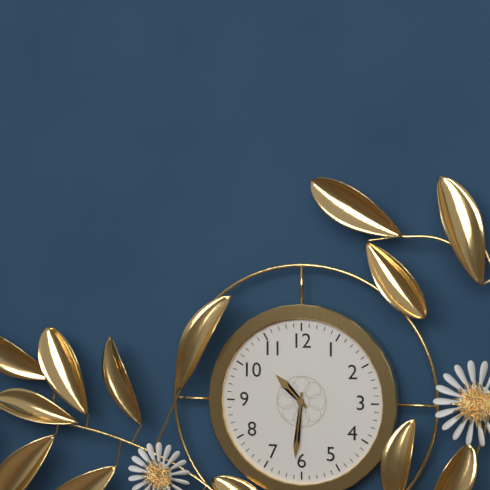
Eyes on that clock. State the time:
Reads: 10:31
